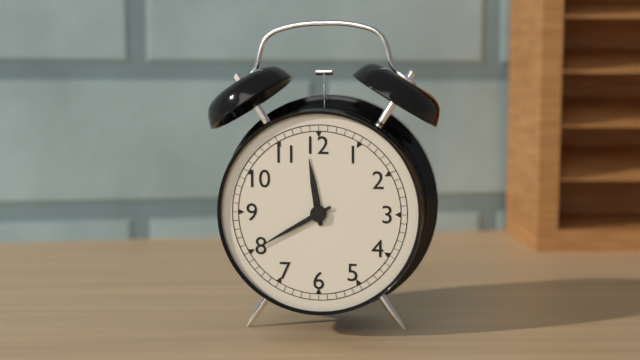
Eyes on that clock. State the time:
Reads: 11:40
